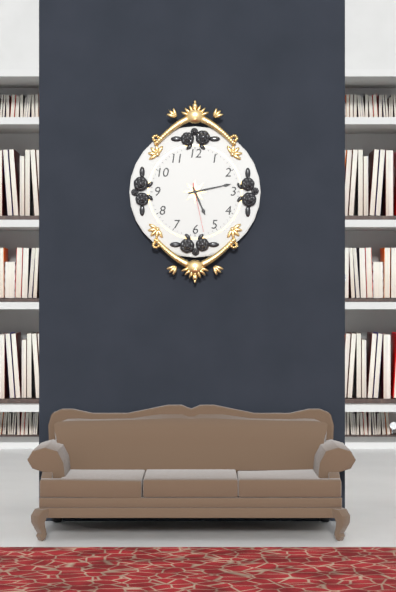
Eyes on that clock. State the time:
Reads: 5:13:28
